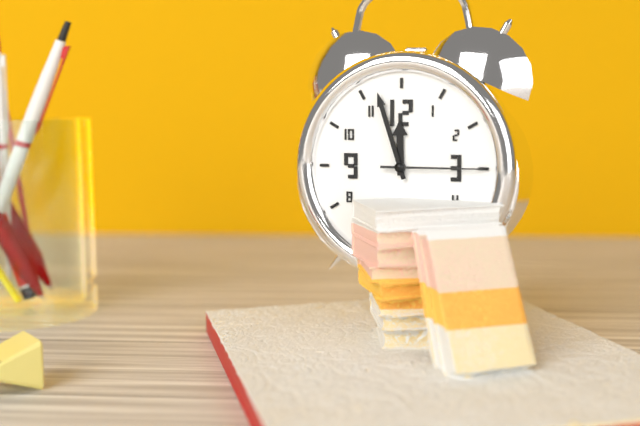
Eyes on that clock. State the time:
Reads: 11:57:15
